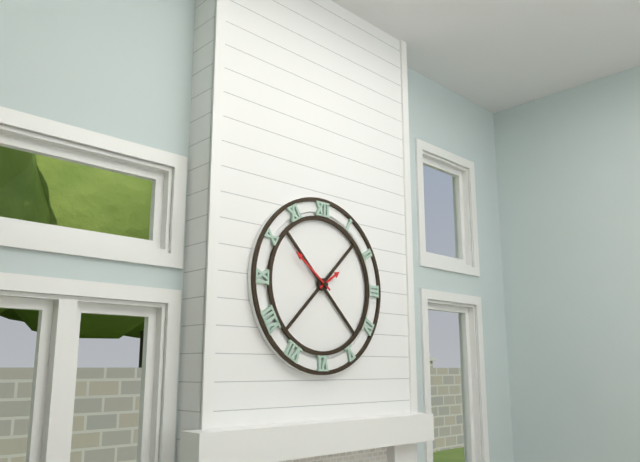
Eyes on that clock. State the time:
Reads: 1:51
